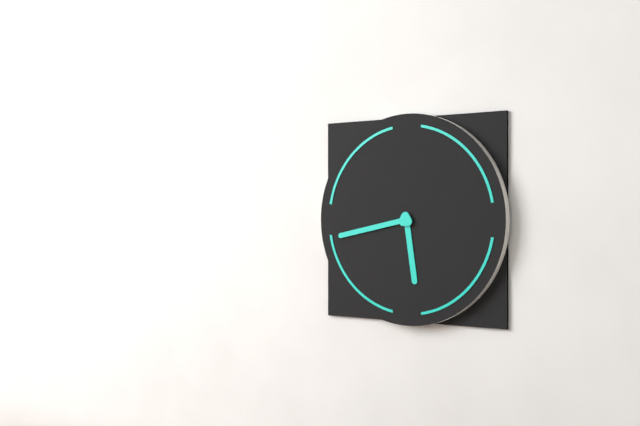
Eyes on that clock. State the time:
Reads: 5:43
